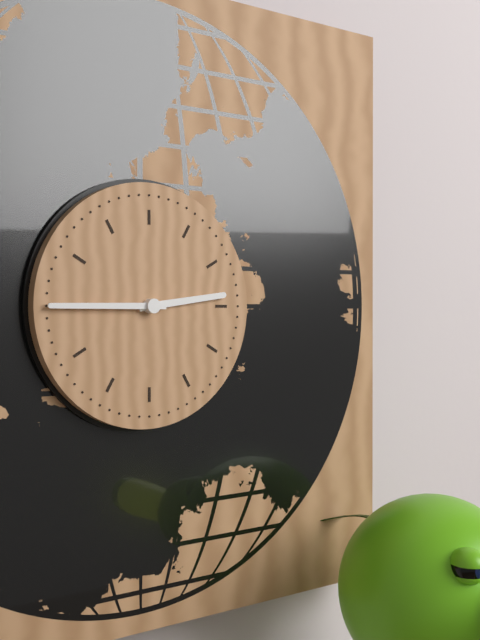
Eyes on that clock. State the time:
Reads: 2:45
